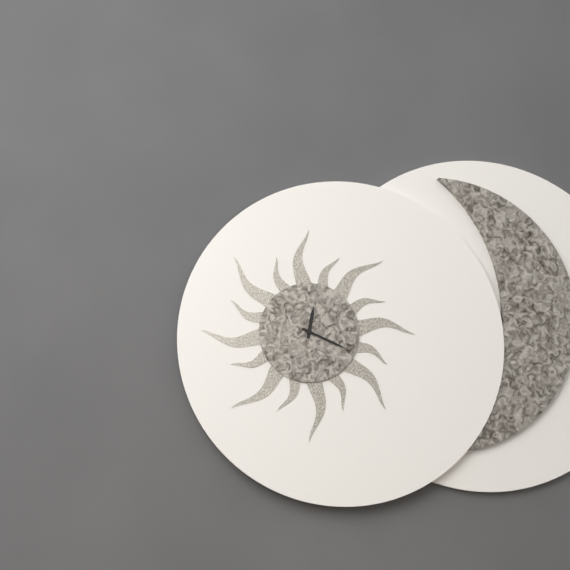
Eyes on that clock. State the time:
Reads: 12:19
